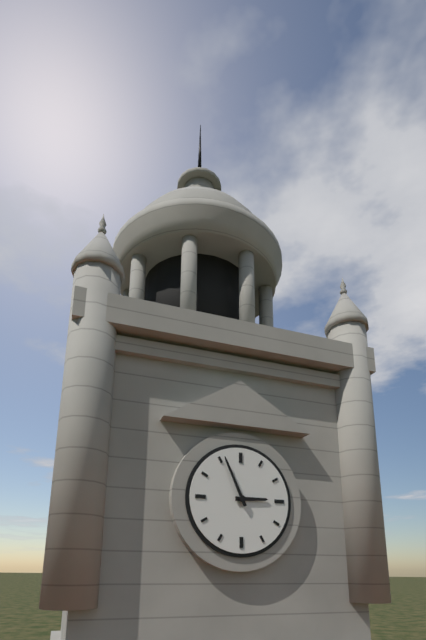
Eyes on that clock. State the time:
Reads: 2:56
